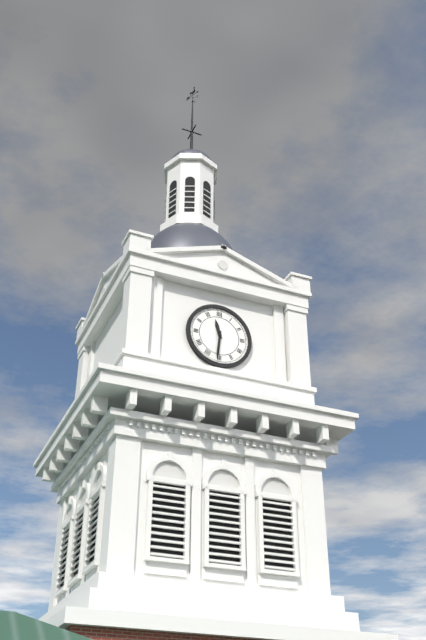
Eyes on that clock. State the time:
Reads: 11:31
